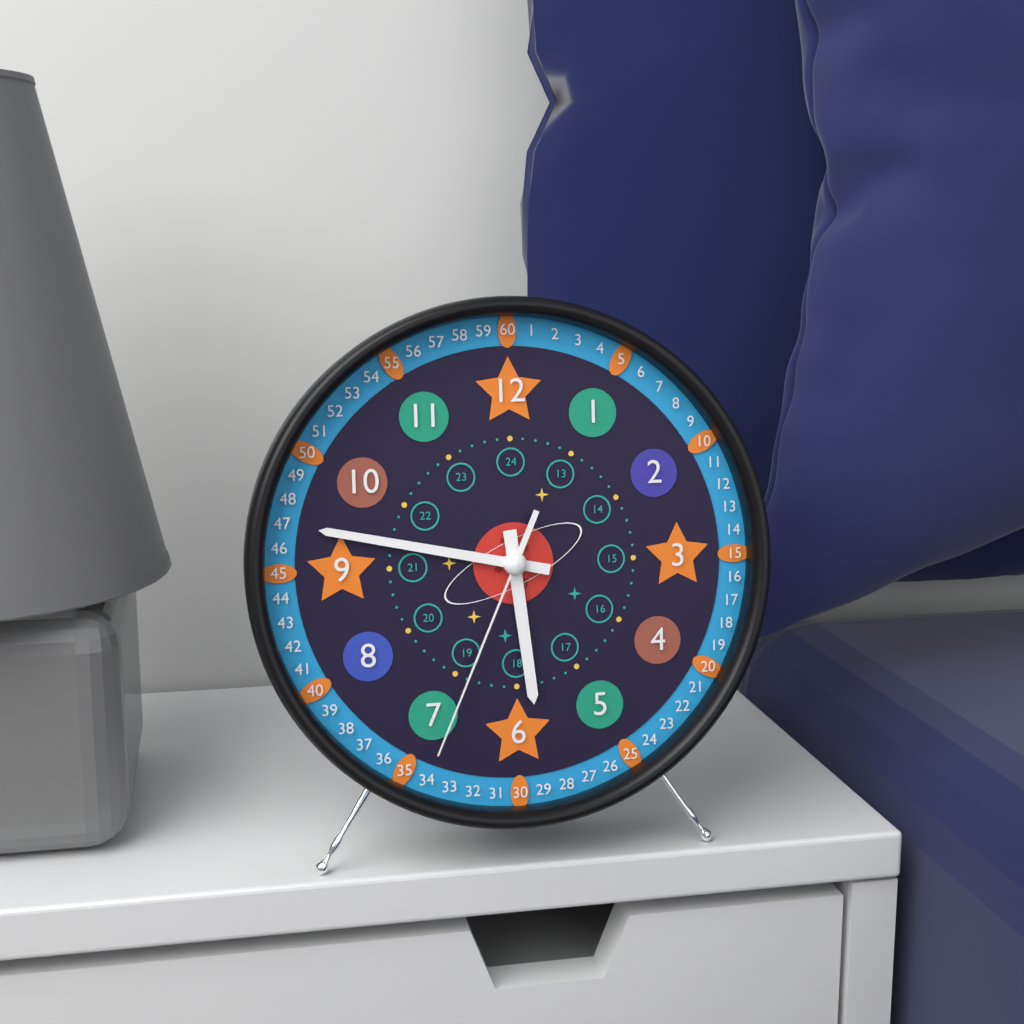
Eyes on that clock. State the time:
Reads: 5:47:34
